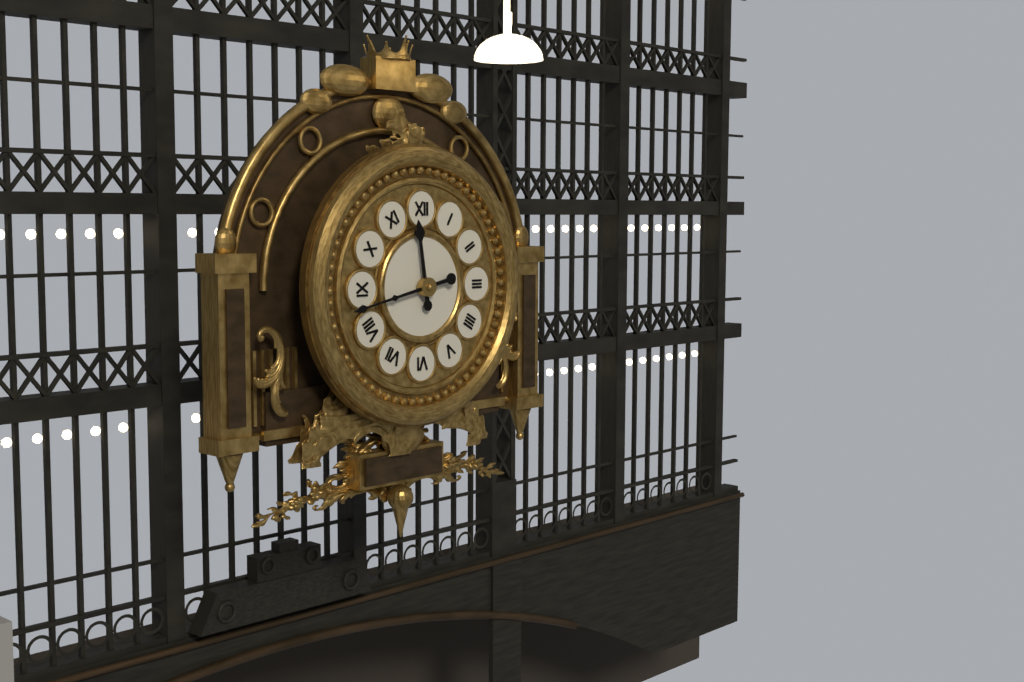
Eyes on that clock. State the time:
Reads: 11:43
